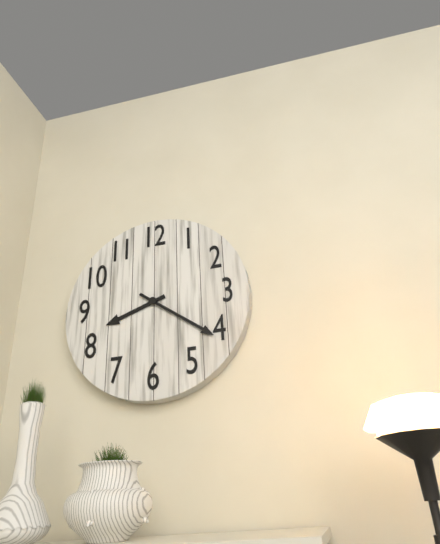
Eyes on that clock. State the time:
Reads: 8:21
